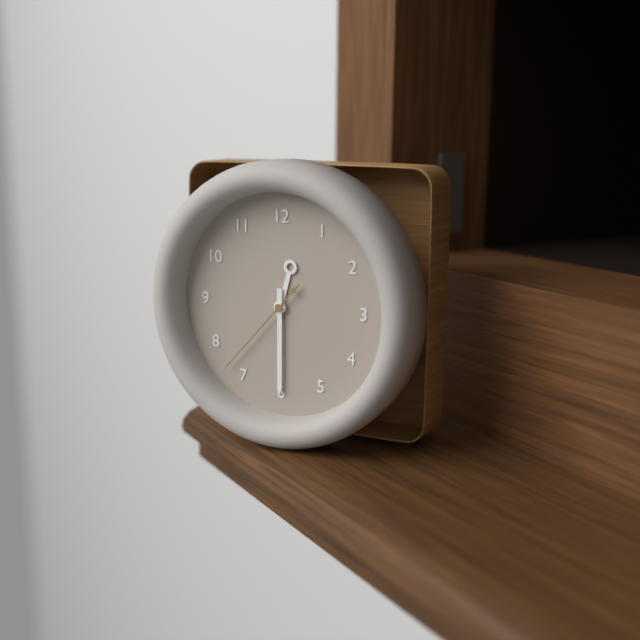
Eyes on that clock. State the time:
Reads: 12:30:37
